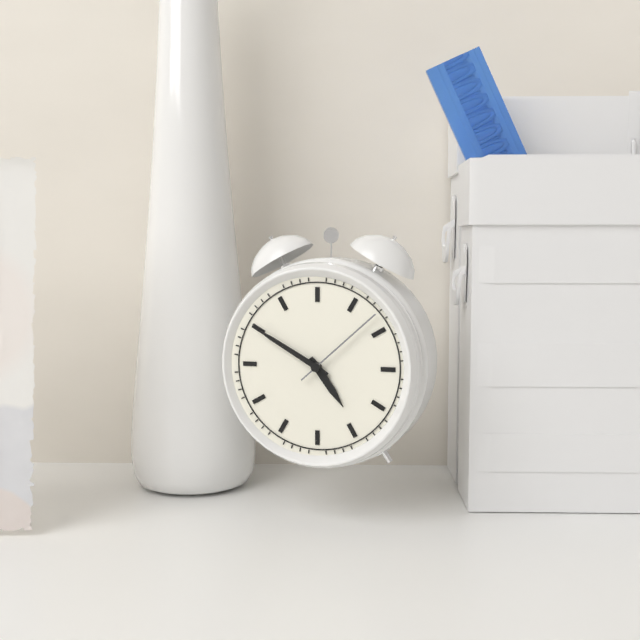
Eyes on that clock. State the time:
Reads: 4:50:08
